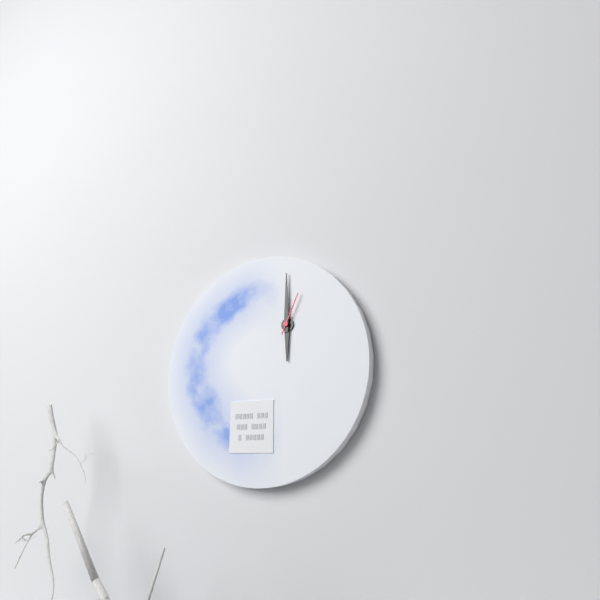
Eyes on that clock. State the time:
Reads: 6:00
